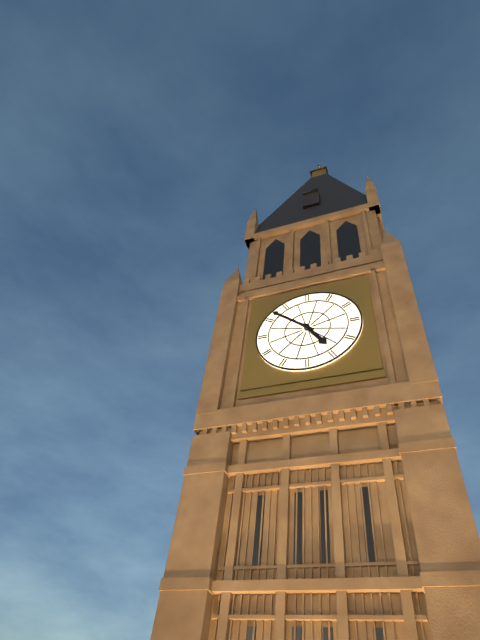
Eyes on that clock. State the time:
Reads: 4:52
